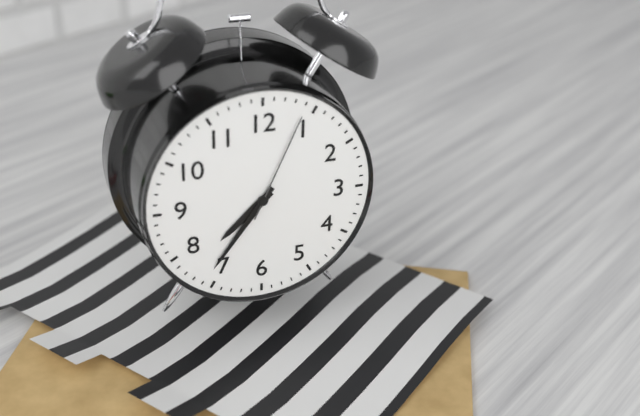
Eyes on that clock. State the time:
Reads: 7:36:04
